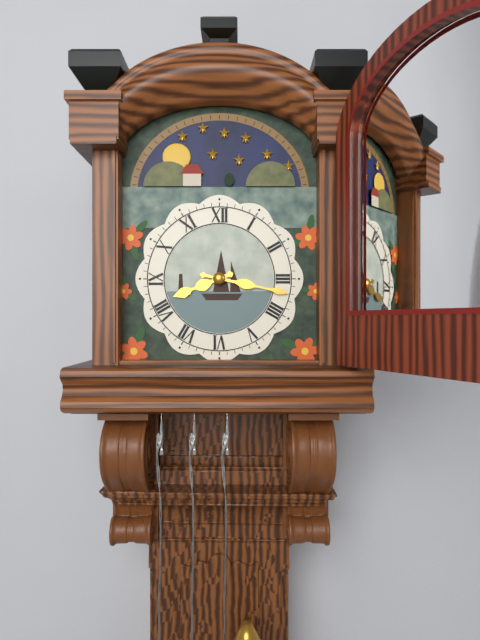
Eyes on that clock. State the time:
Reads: 8:17
